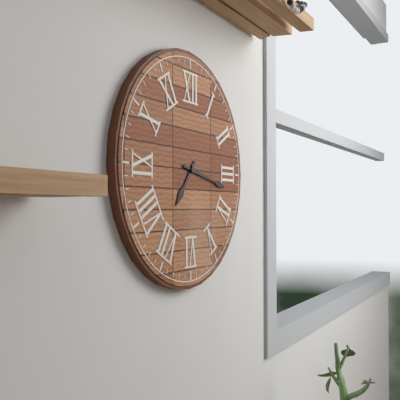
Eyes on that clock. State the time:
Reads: 7:17
